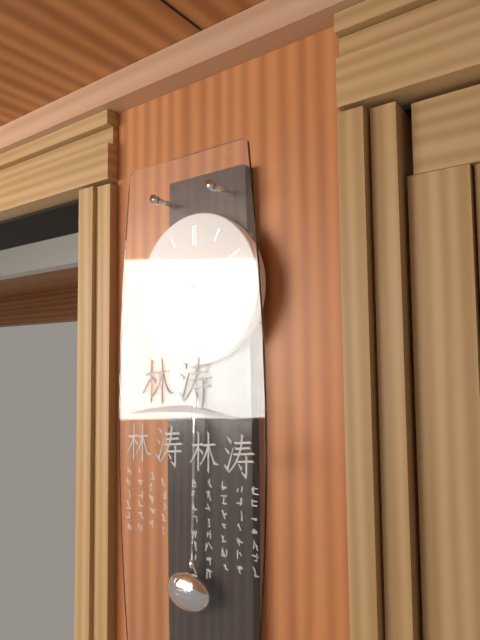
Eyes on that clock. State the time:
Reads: 5:22
